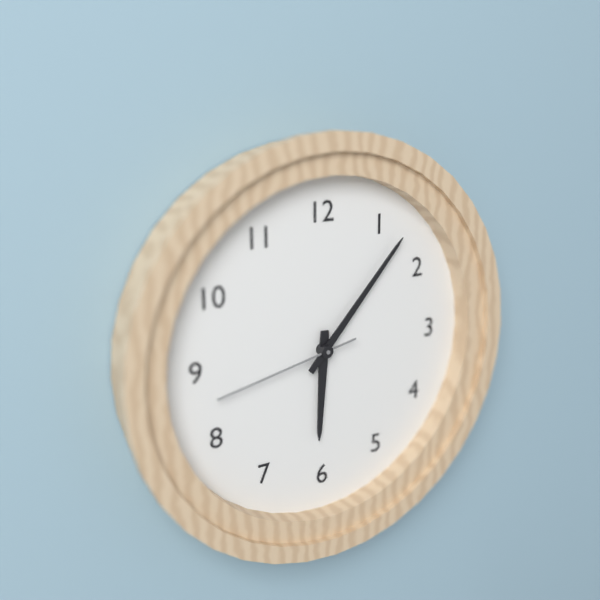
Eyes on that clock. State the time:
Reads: 6:07:43
